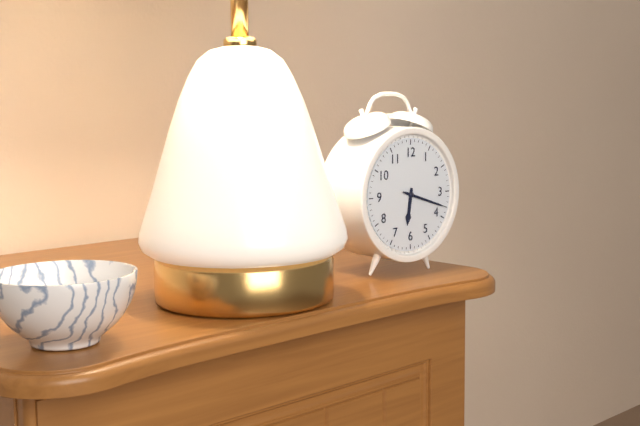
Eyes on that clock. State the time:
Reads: 6:18
